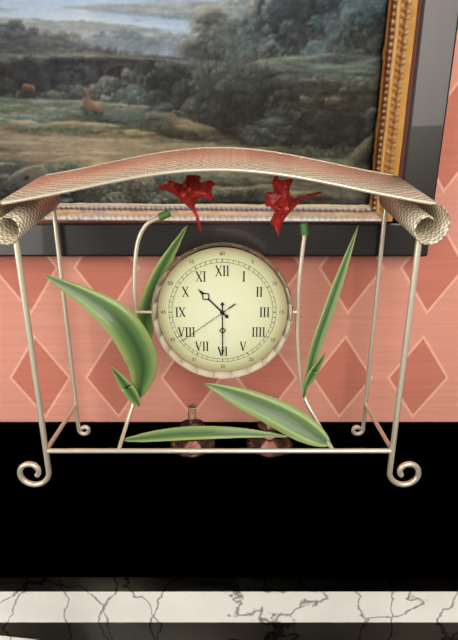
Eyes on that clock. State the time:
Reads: 10:30:39
